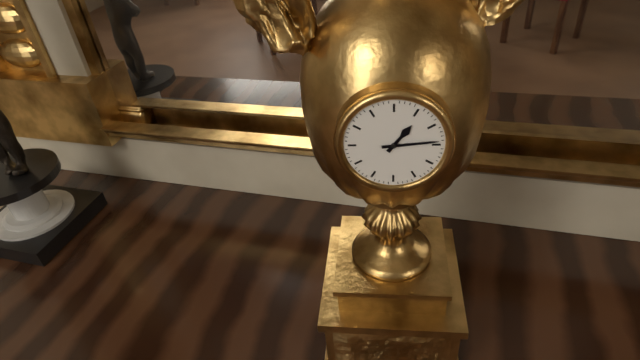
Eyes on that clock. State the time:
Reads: 1:14
